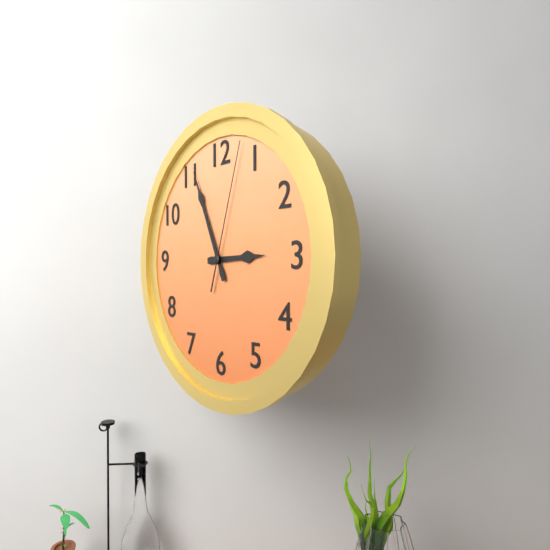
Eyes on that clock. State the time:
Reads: 2:56:03
